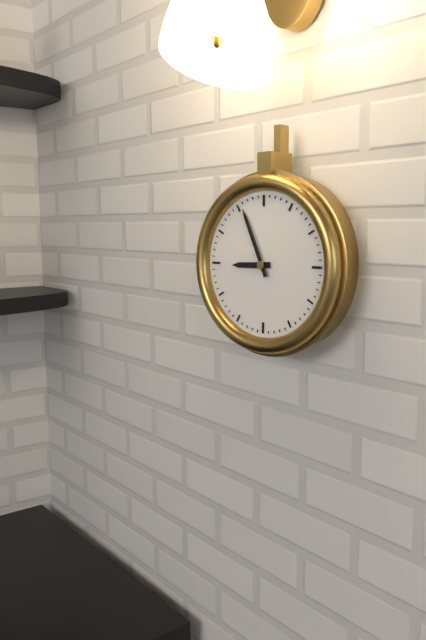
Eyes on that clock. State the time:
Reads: 8:56
